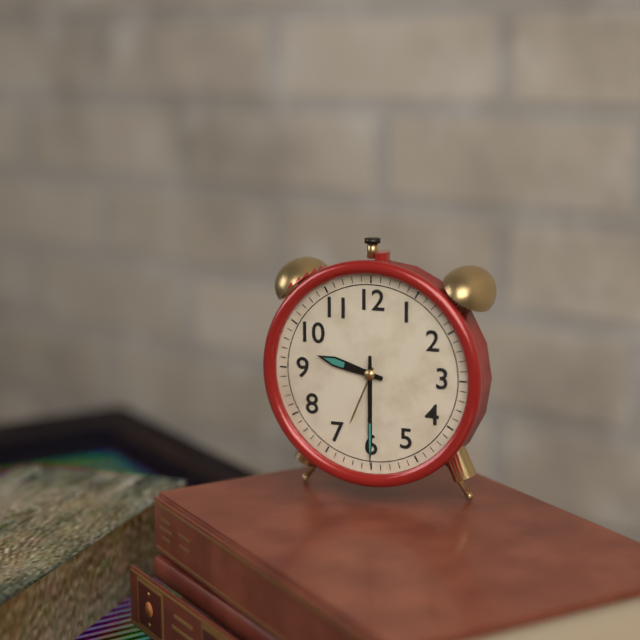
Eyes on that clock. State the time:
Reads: 9:30
